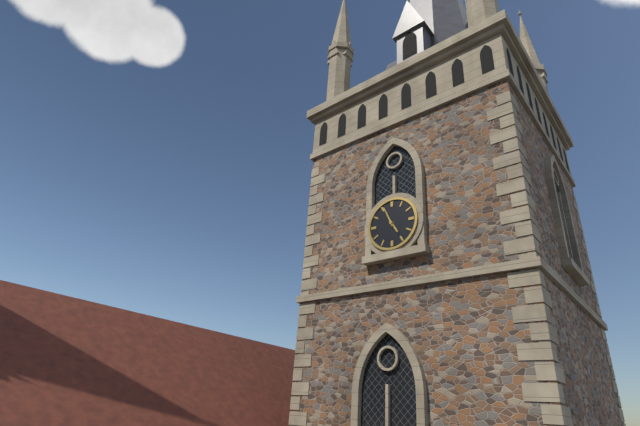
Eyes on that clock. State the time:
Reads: 4:56
